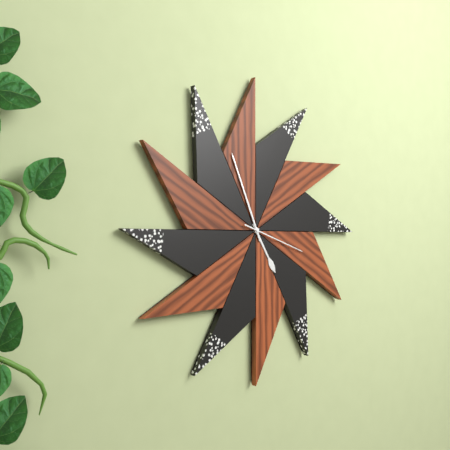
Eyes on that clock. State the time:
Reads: 4:56:18
